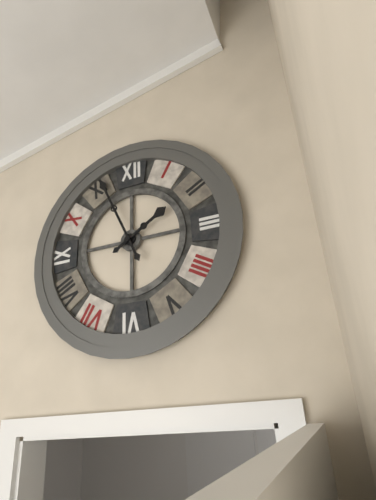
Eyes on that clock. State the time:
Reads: 1:56
